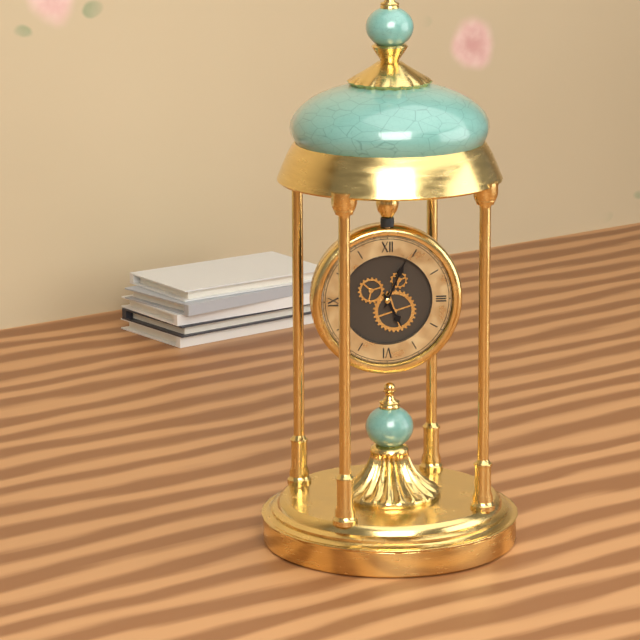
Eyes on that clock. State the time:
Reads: 5:04
